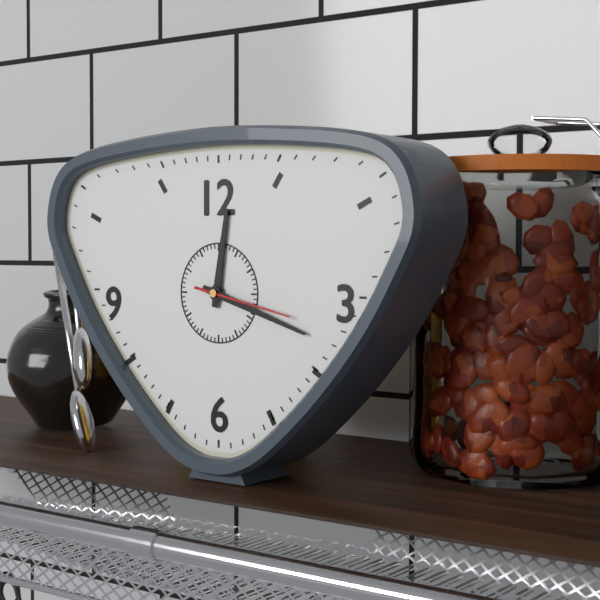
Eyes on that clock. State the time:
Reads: 12:18:17
